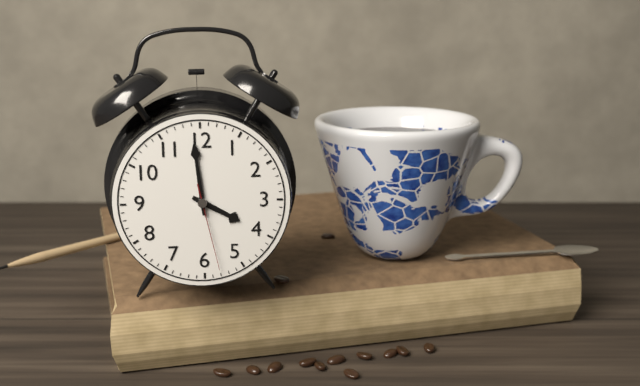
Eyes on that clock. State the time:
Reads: 3:59:28
